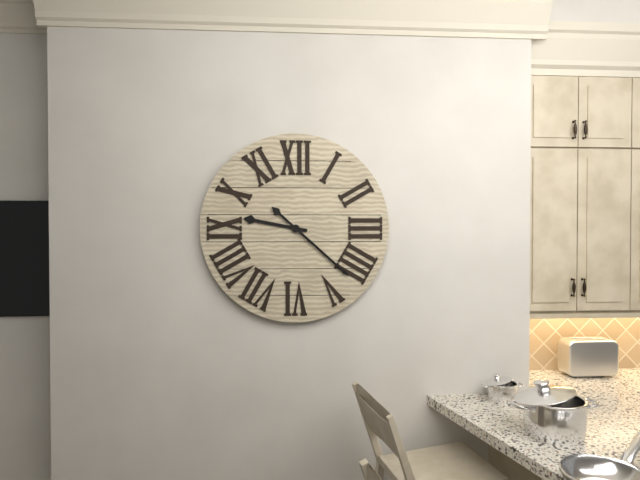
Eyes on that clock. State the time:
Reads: 9:22
